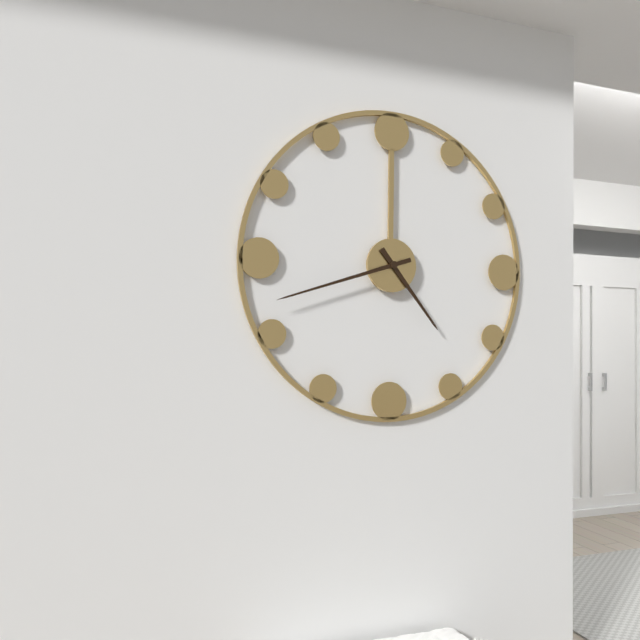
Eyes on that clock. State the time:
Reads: 4:42
